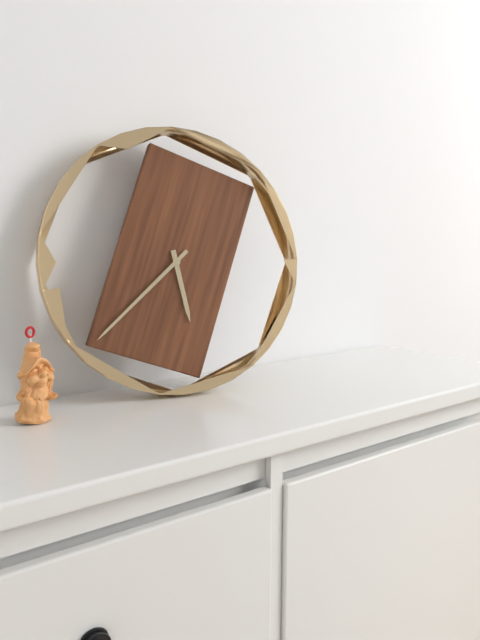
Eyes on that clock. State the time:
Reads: 5:38
